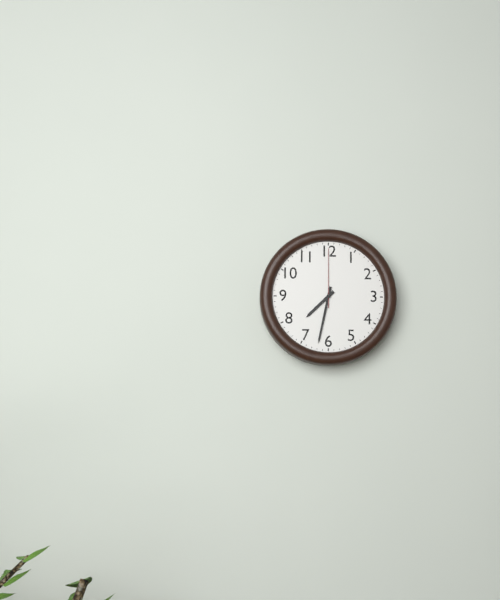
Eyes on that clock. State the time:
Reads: 7:32:00
